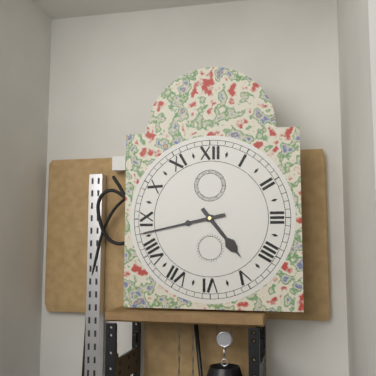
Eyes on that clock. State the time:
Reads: 4:43
